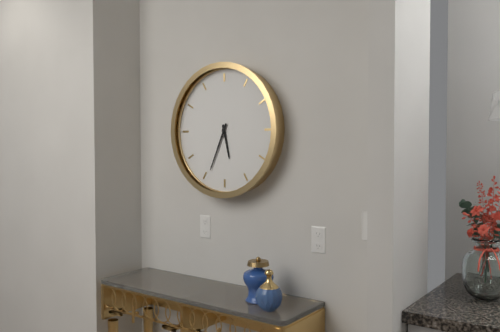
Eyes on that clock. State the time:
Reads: 5:34
